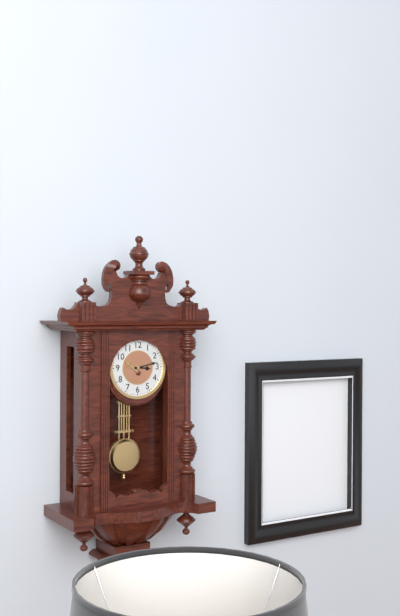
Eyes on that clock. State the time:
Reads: 3:13
